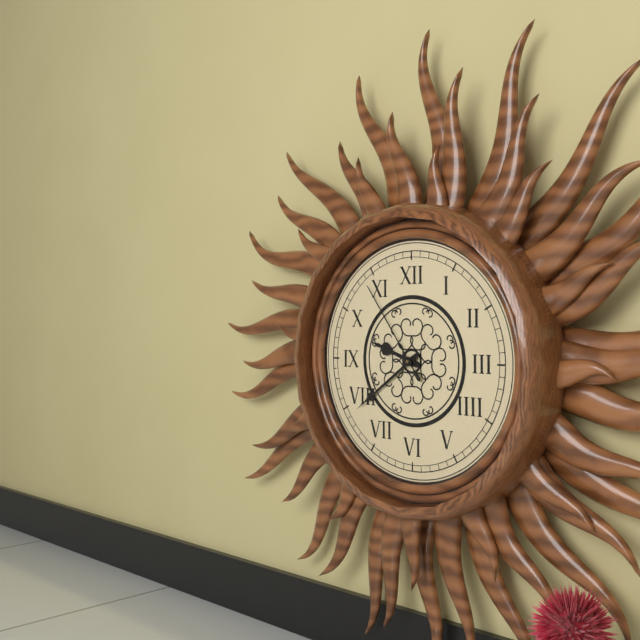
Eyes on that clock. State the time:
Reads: 9:39:54
